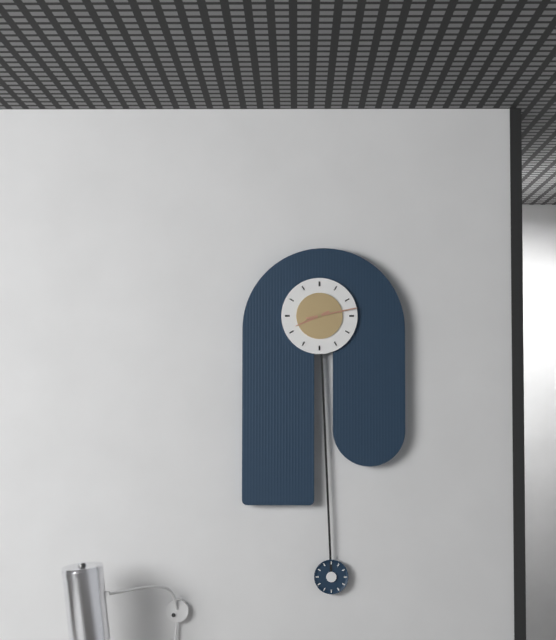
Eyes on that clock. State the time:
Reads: 8:13
